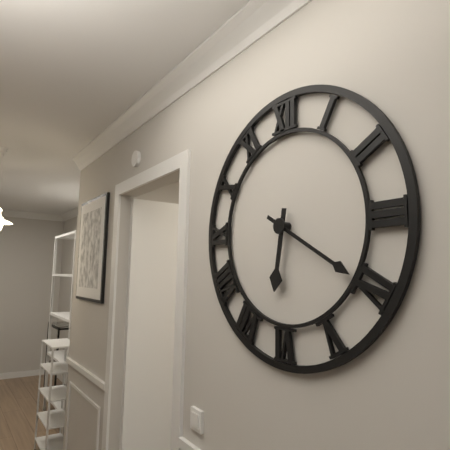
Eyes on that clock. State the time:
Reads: 6:20
